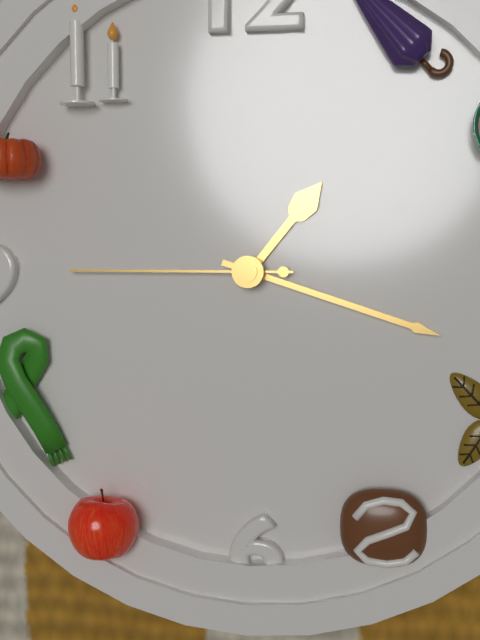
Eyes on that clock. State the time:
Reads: 1:18:45
